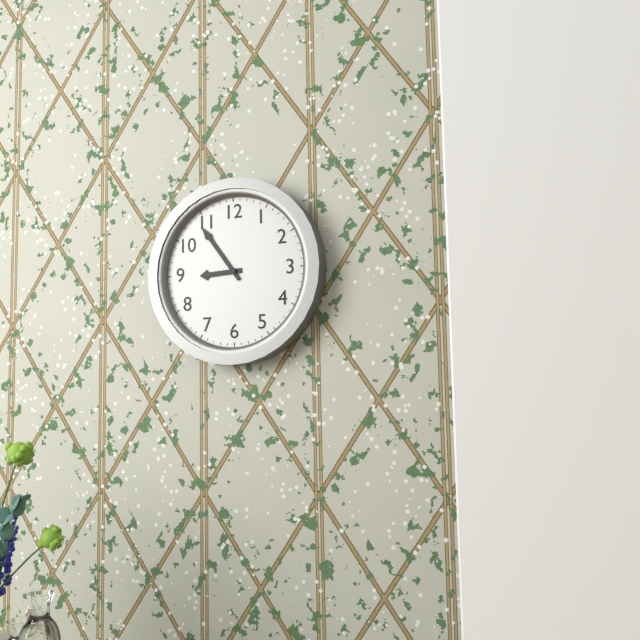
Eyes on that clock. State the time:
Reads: 8:54
